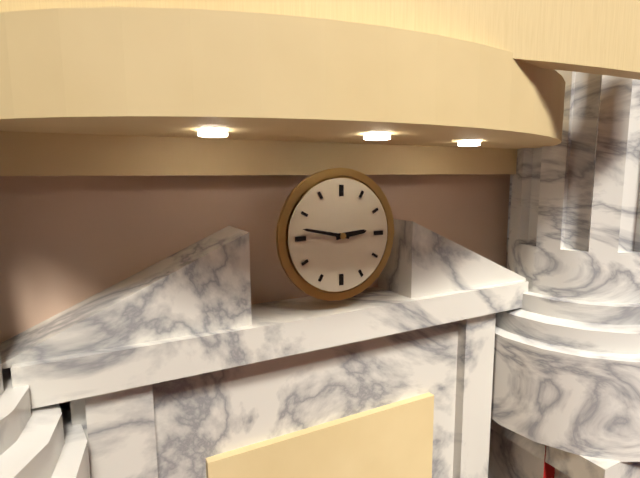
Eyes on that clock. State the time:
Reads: 2:47
